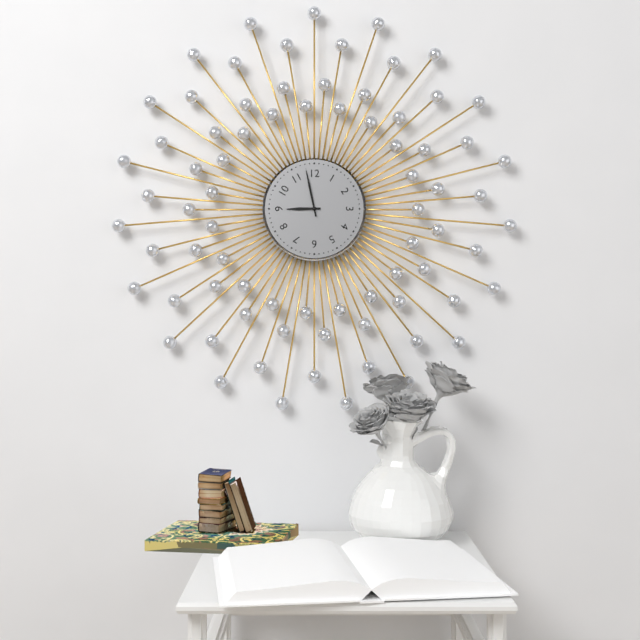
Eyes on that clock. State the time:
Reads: 8:58
